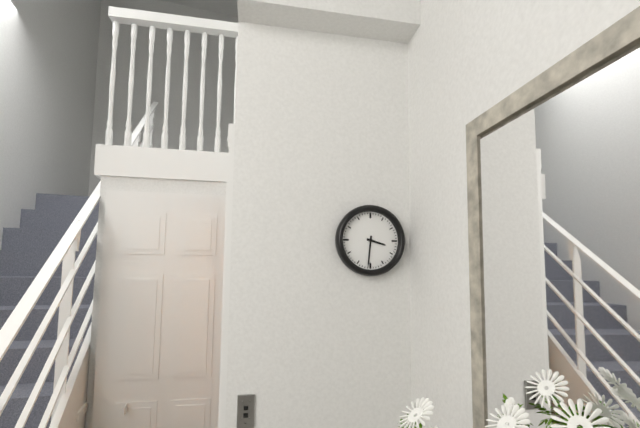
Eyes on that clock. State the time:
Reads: 3:31
